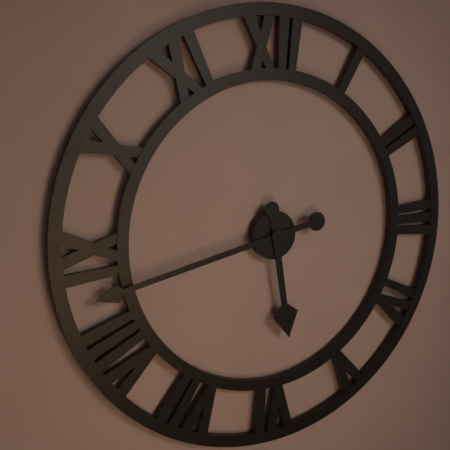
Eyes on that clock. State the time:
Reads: 5:43
